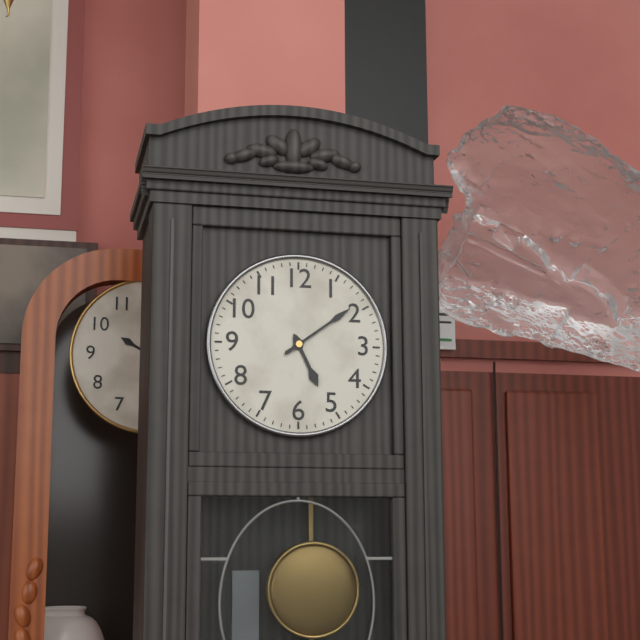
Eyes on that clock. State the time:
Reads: 5:09
